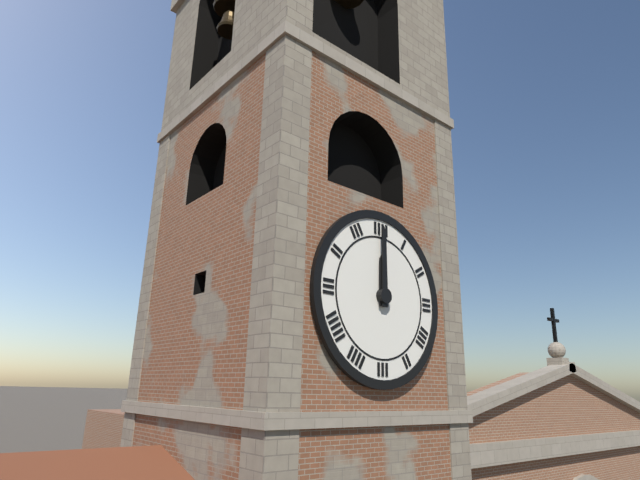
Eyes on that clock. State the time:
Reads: 12:00
